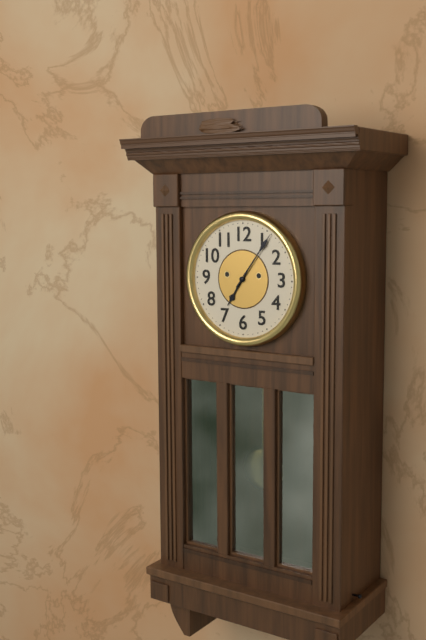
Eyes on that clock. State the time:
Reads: 7:06
